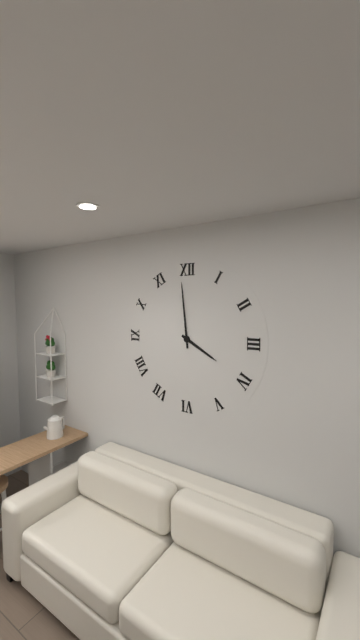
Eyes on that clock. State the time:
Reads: 3:59
